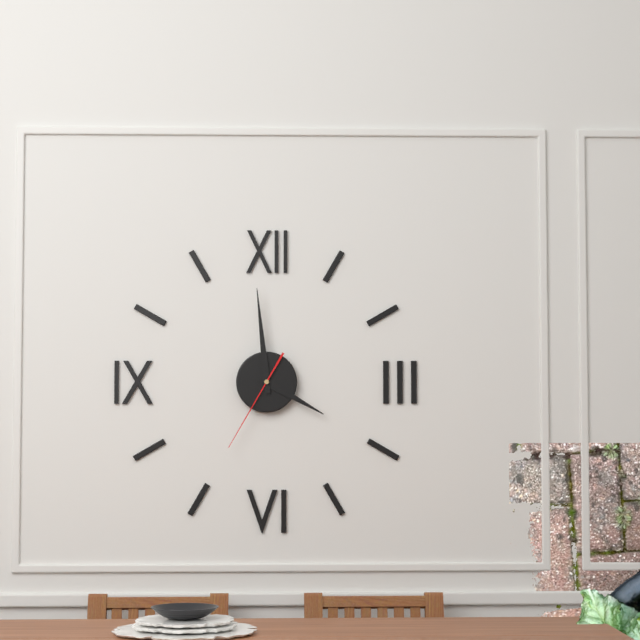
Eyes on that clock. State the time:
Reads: 3:59:35
